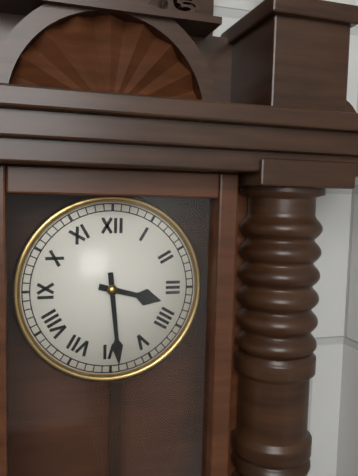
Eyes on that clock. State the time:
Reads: 3:29
